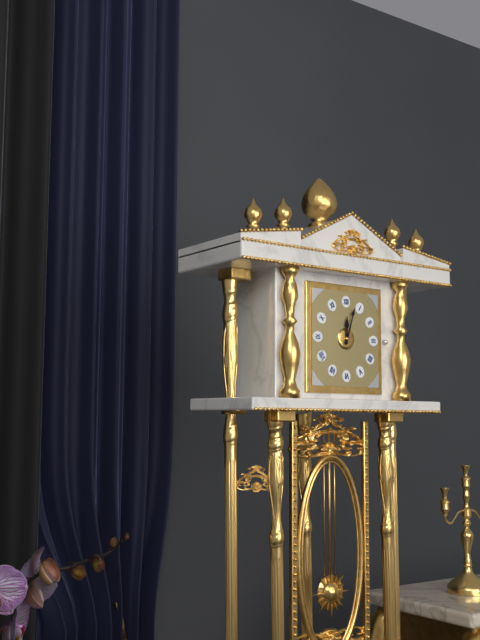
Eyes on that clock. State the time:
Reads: 12:03
